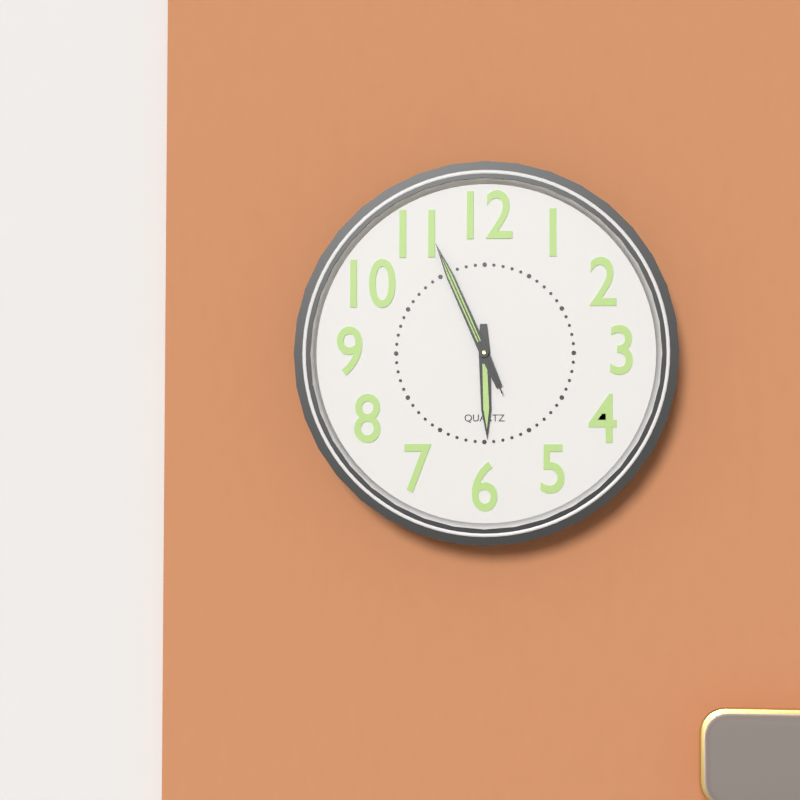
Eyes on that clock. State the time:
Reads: 5:56:56
